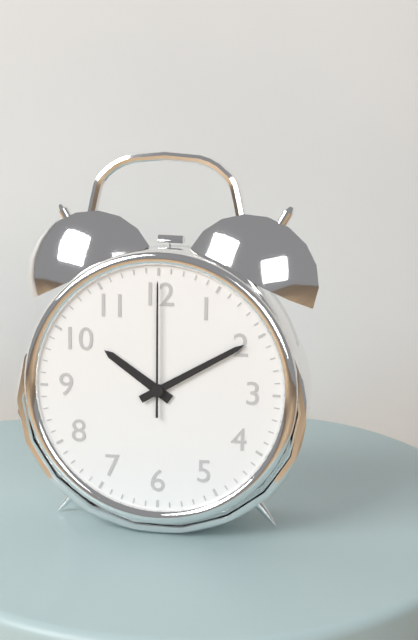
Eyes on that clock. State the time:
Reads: 10:10:00
